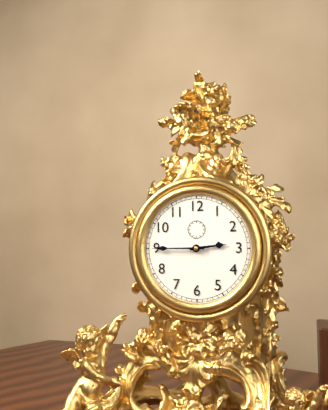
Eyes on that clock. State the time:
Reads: 2:45
